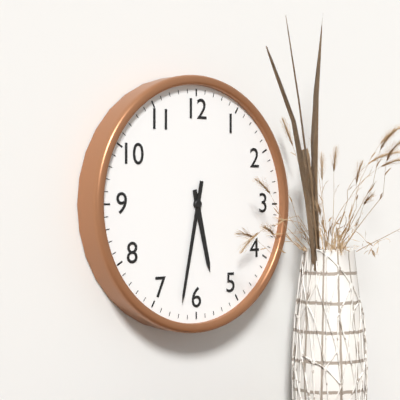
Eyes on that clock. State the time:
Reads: 5:32
